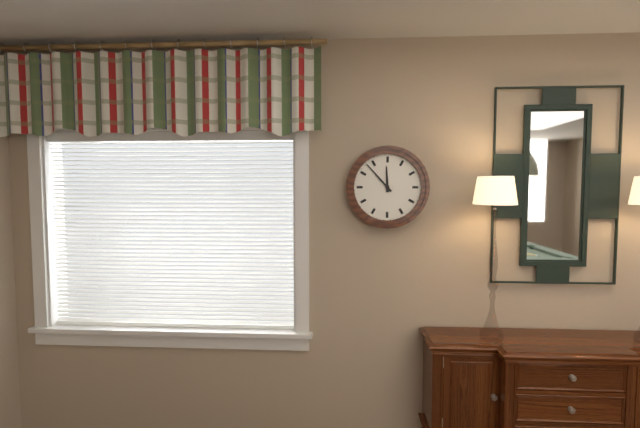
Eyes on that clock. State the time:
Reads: 11:53
